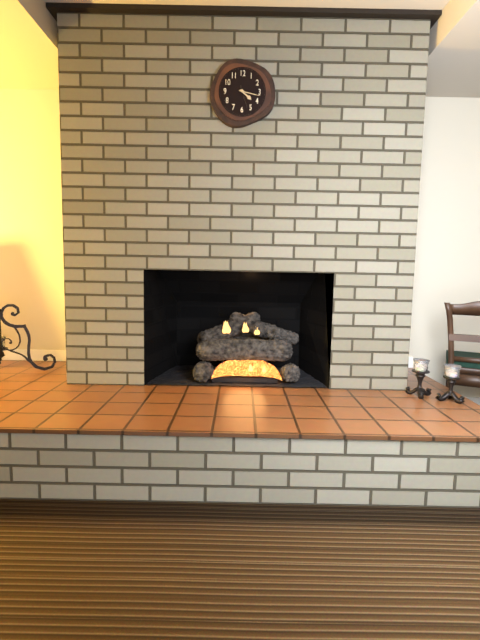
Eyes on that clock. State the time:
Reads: 4:17
